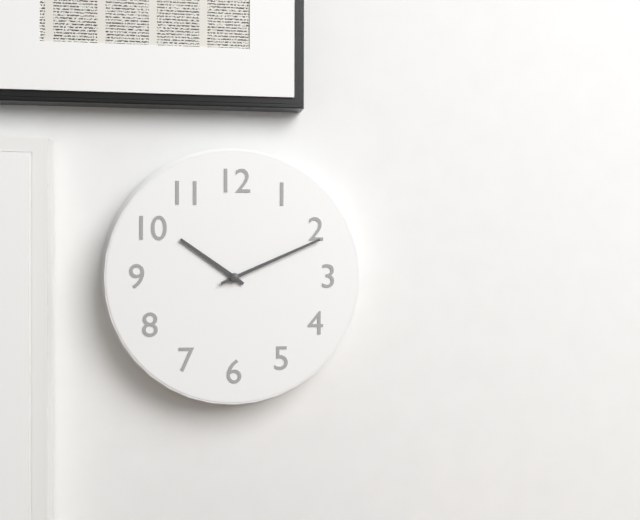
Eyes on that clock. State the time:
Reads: 10:11
